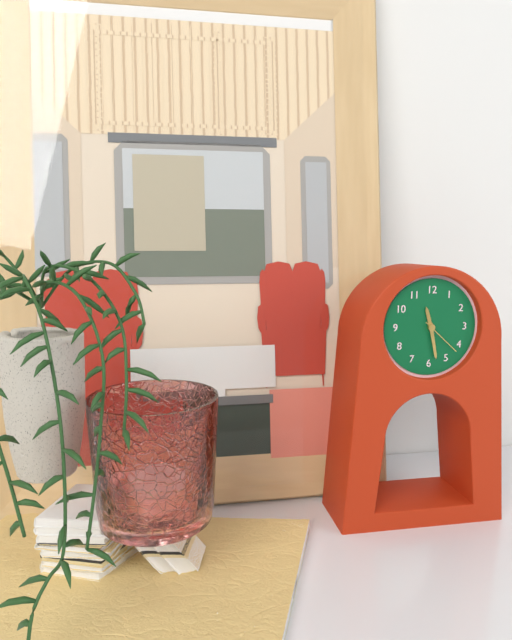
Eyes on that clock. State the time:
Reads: 11:28
